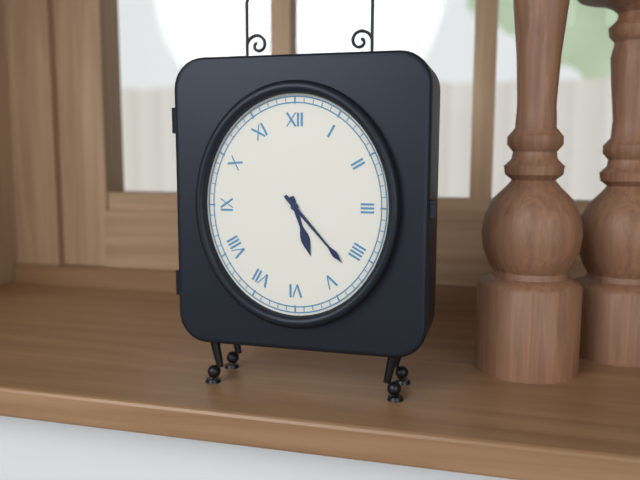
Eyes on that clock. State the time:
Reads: 5:23
